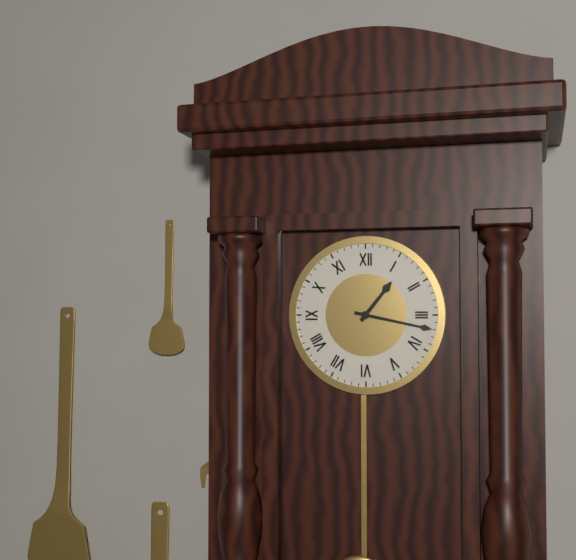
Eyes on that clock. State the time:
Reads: 1:17
